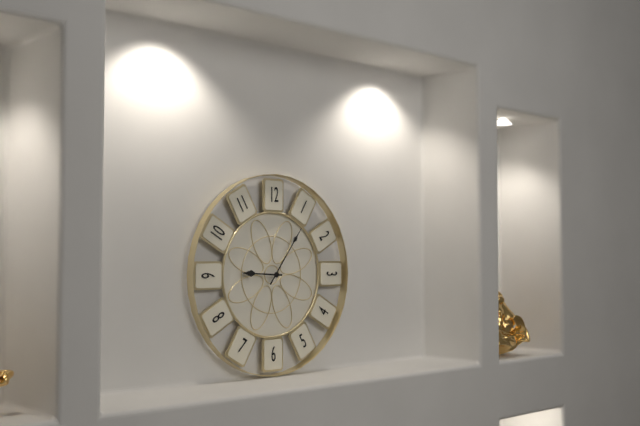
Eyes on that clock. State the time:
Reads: 9:06
